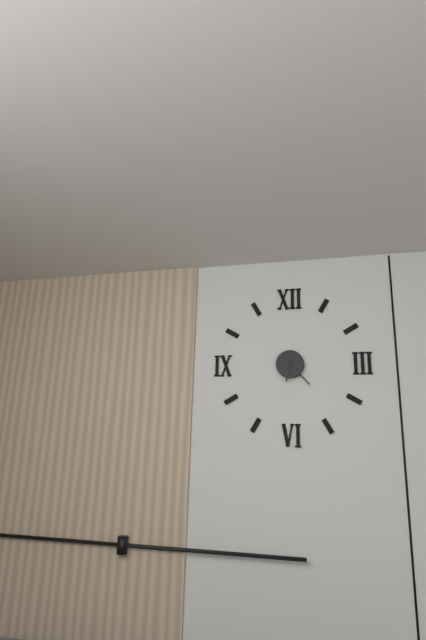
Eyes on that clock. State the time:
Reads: 6:23
